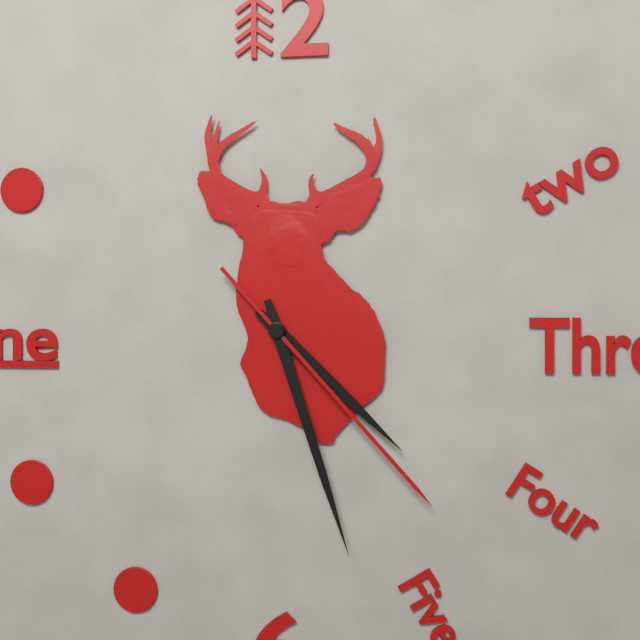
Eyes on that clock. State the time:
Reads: 4:27:23
